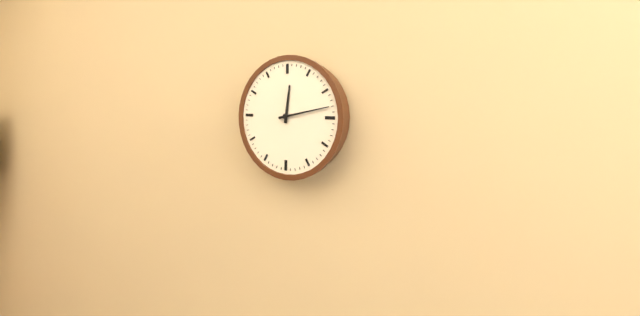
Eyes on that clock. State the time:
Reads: 12:13
